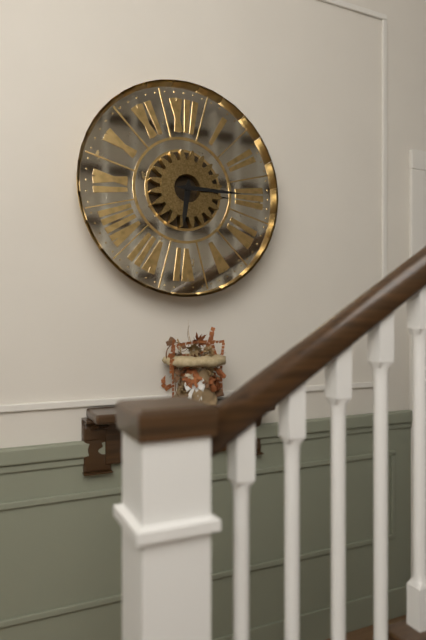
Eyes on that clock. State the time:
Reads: 6:15
